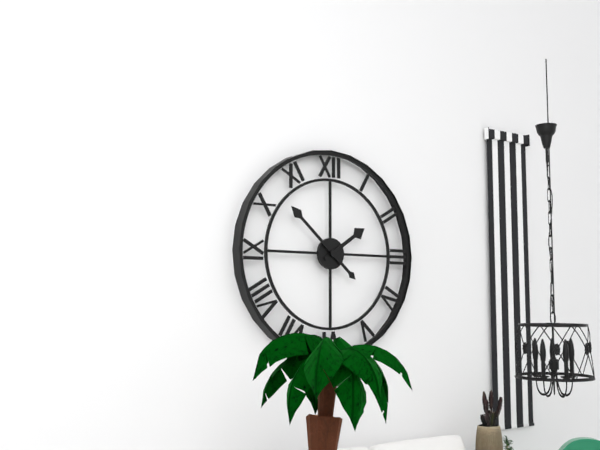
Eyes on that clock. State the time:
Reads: 1:52
